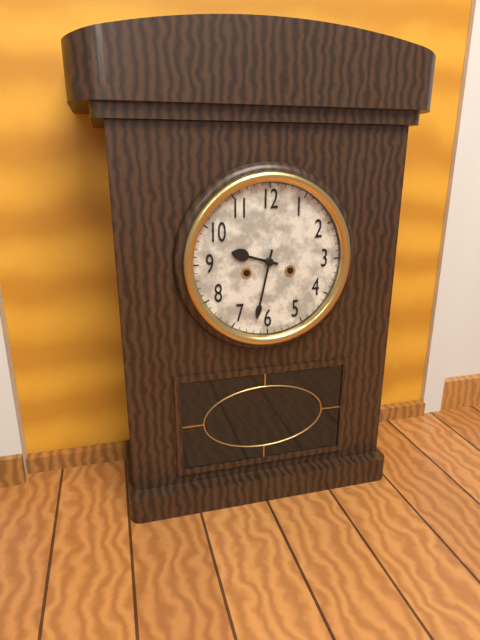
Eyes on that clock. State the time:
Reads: 9:32
